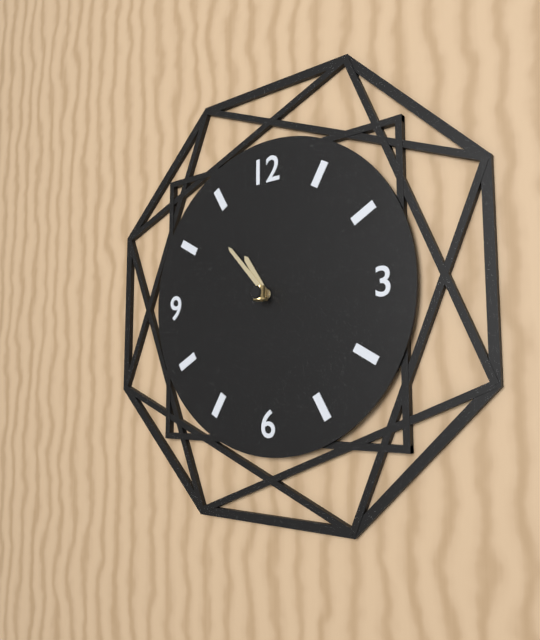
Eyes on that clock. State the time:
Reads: 10:53
